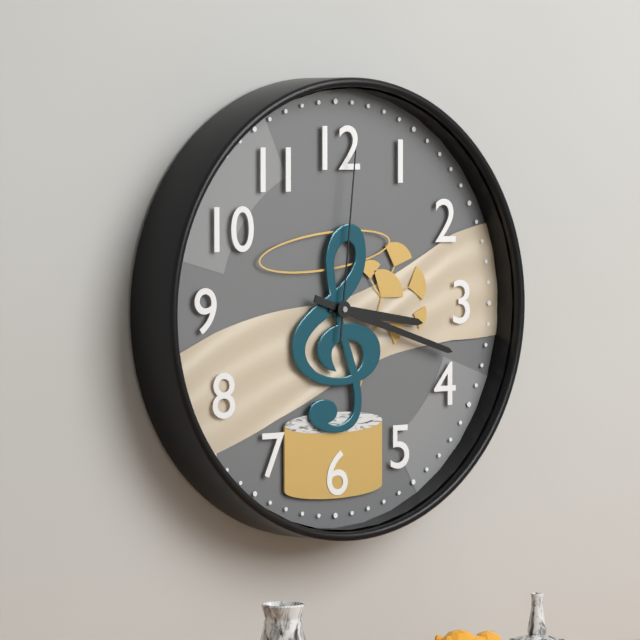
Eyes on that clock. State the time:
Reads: 3:18:01
